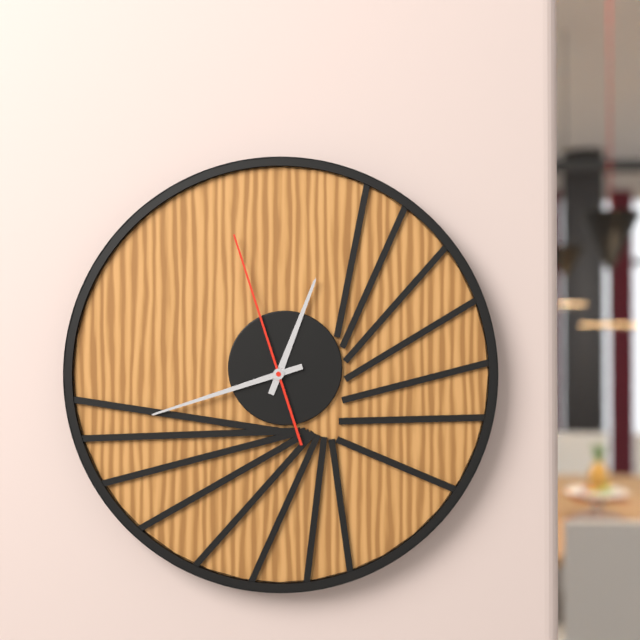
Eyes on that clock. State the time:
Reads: 12:42:57
